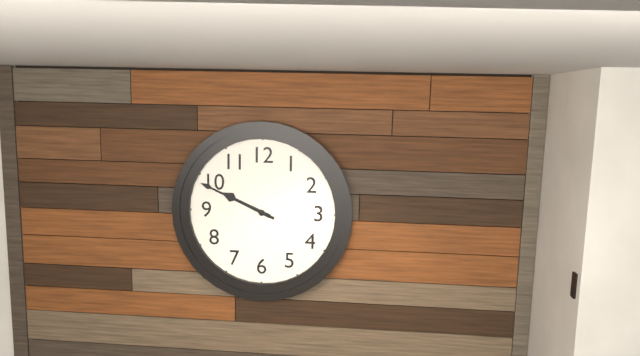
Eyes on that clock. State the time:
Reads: 9:49
